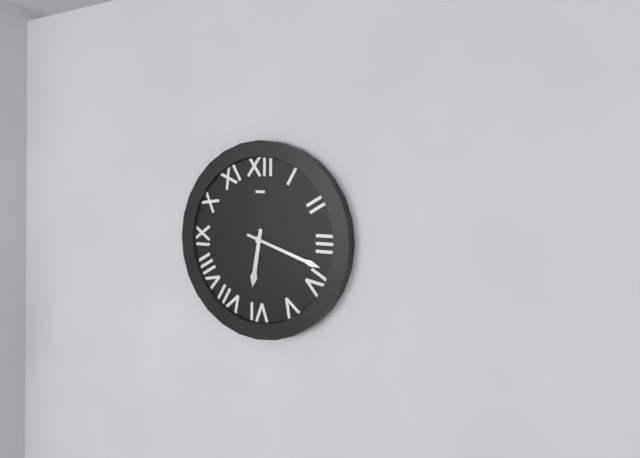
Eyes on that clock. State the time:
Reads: 6:18
